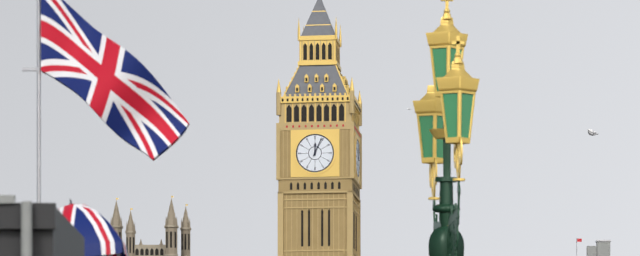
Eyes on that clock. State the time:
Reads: 12:04
